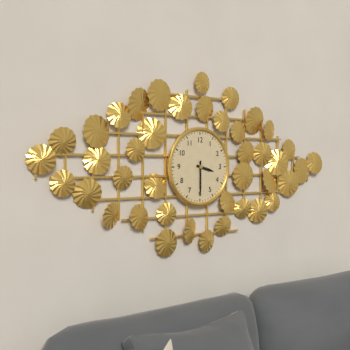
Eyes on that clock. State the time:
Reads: 3:30
